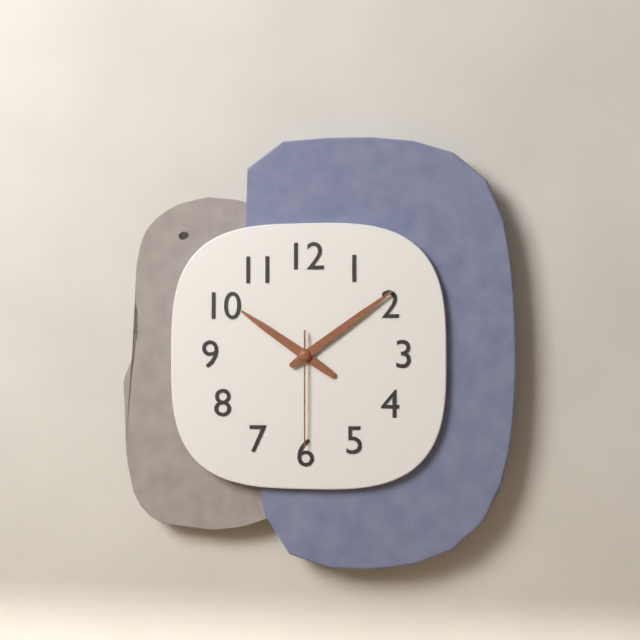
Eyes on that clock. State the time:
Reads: 10:09:30
